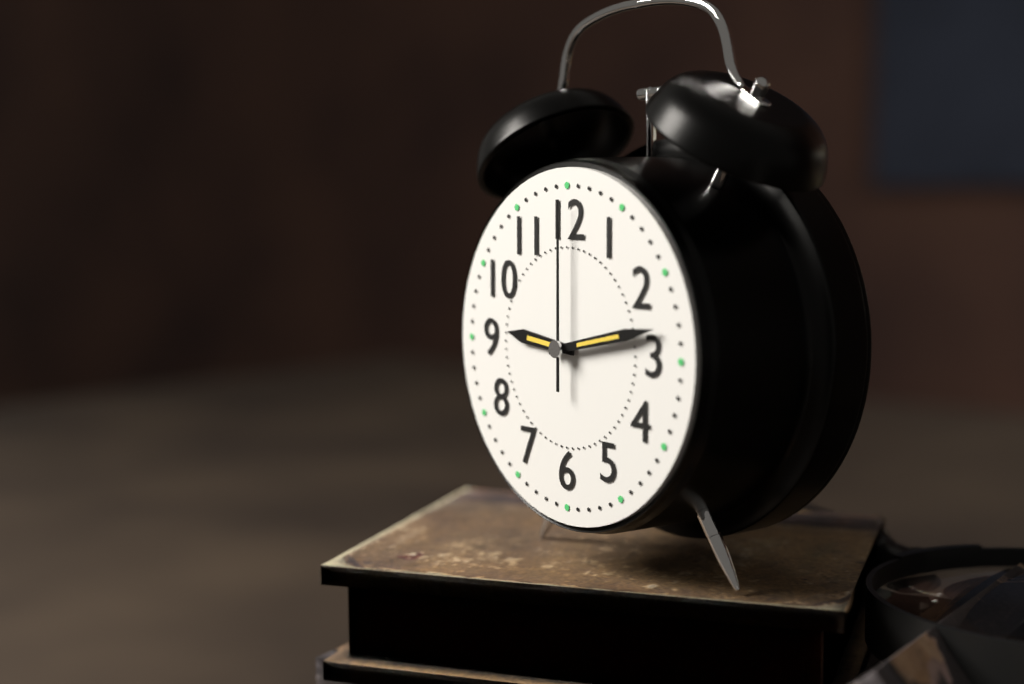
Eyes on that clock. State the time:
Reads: 9:13:00
